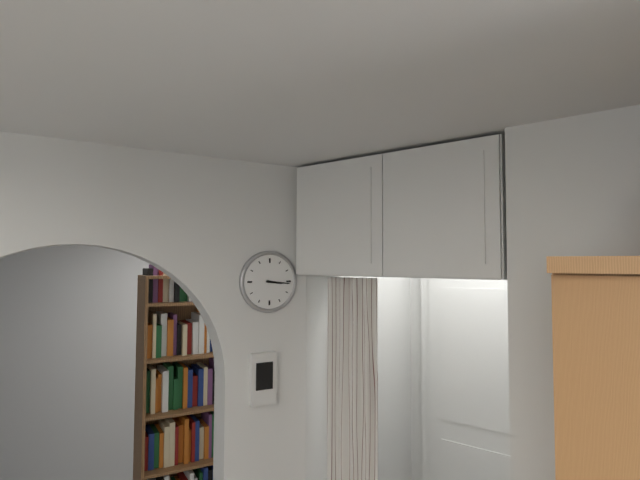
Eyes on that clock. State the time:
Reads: 3:16
